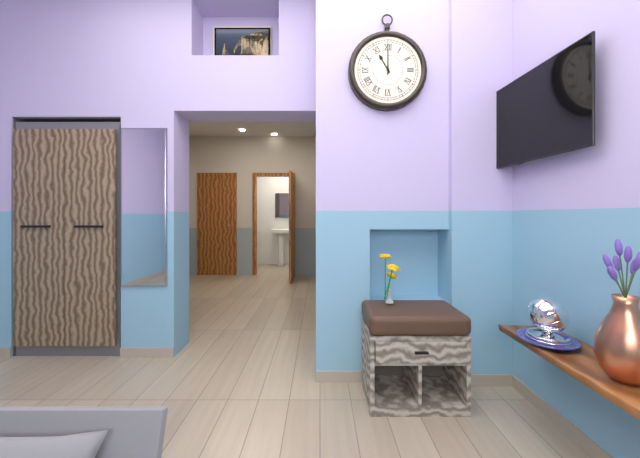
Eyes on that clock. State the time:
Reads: 11:00
